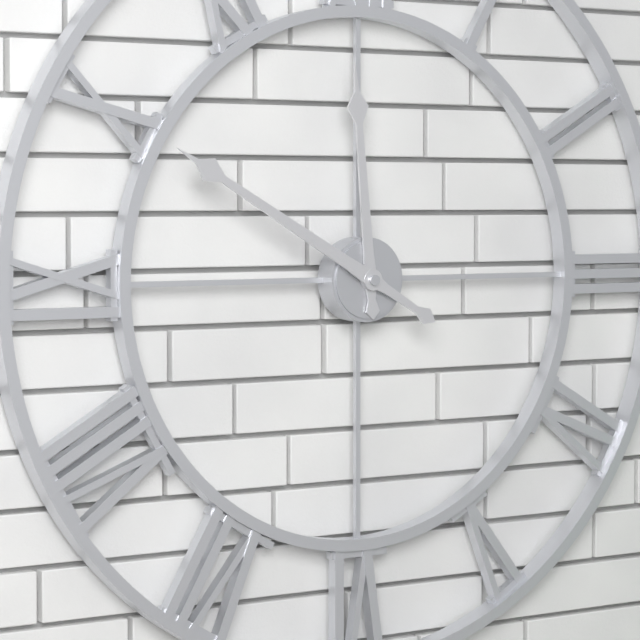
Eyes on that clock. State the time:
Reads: 11:50
